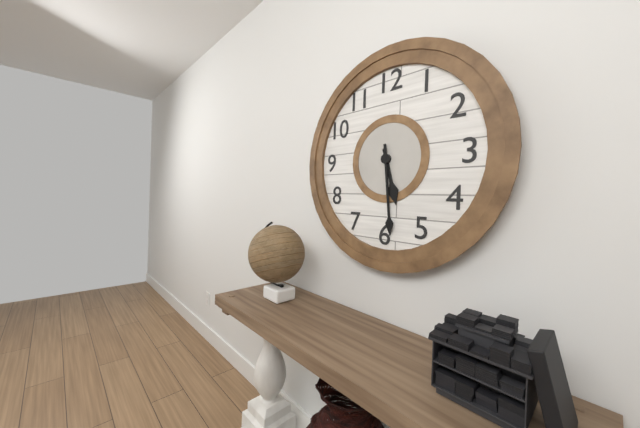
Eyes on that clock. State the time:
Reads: 5:29
